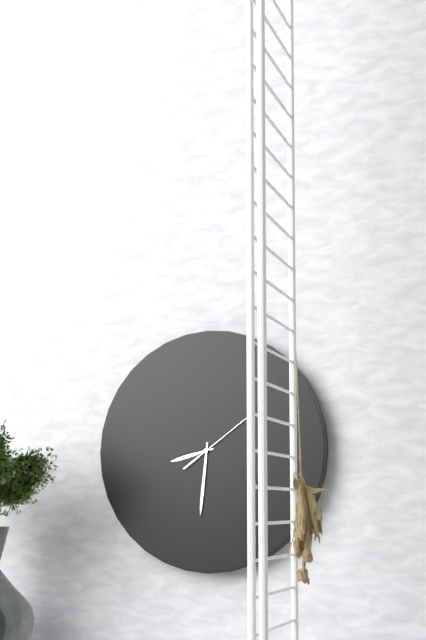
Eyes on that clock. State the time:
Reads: 8:31:09
